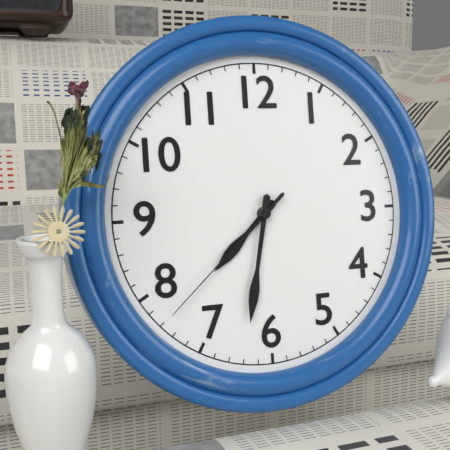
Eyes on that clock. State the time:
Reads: 7:32:38
